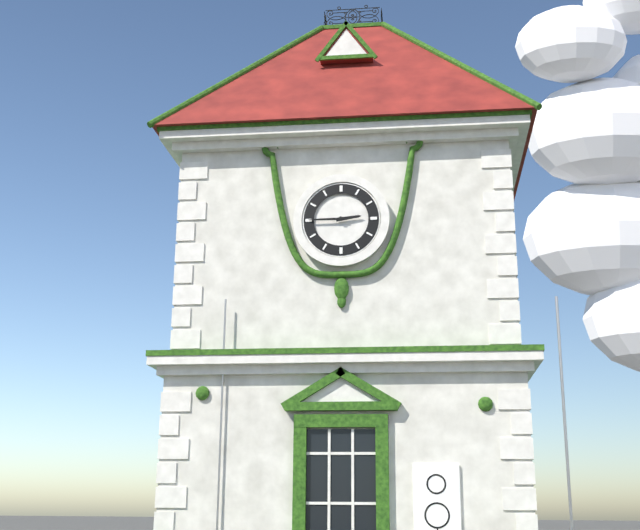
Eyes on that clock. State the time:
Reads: 2:45
